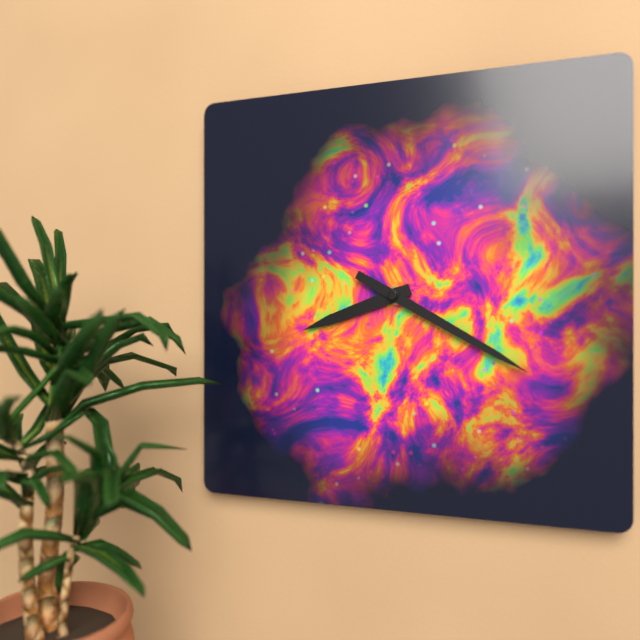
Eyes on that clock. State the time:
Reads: 8:20
